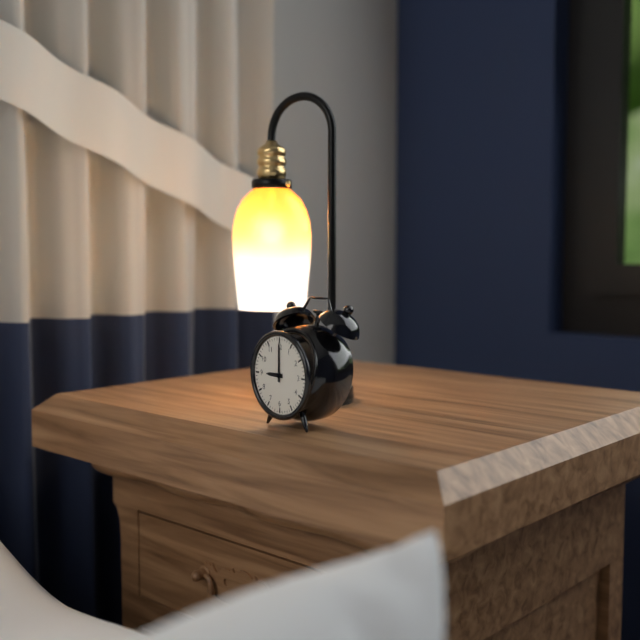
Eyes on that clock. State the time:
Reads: 9:00
